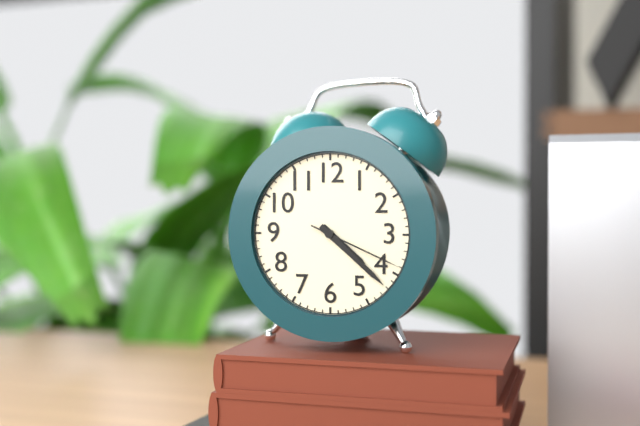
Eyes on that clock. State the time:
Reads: 4:22:19
